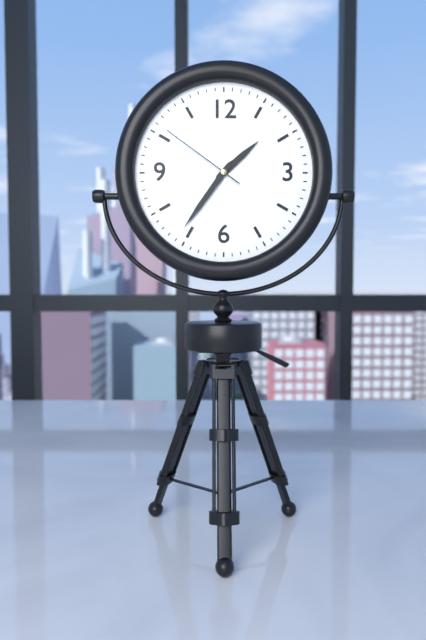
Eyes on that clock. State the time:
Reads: 1:36:51
